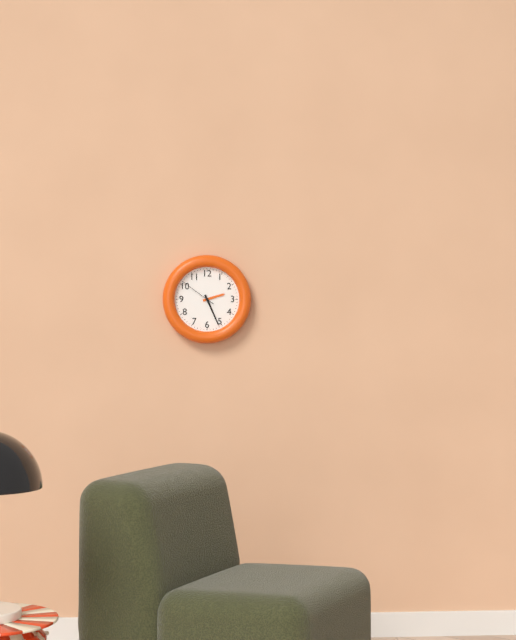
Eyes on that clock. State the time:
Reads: 2:26
